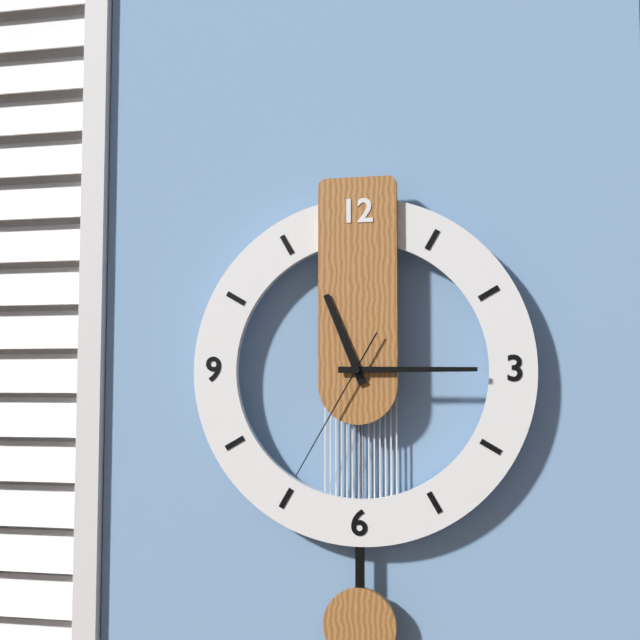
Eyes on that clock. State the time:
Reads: 11:15:35
